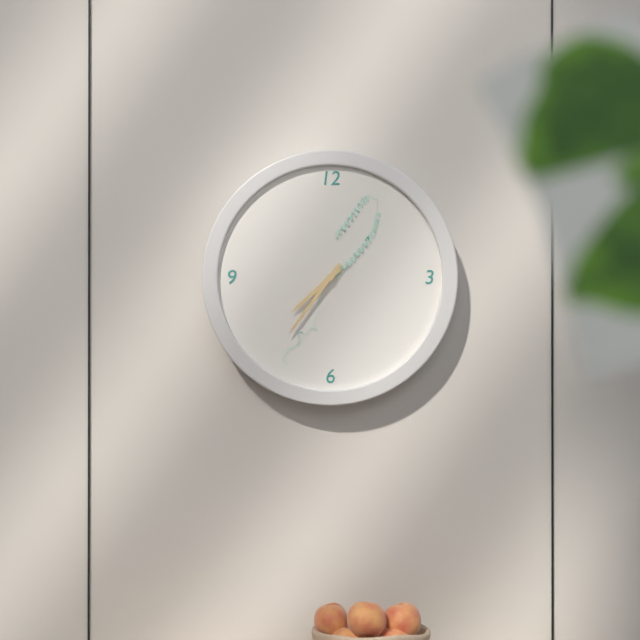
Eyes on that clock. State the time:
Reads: 7:36
